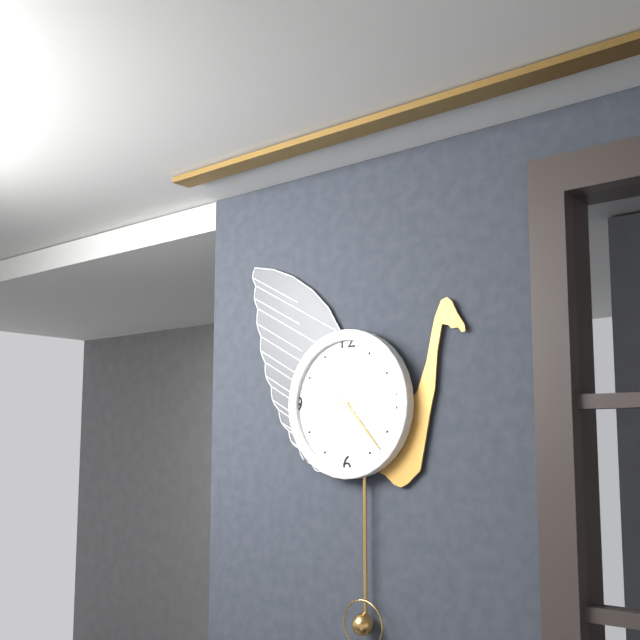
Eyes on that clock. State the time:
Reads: 9:23
